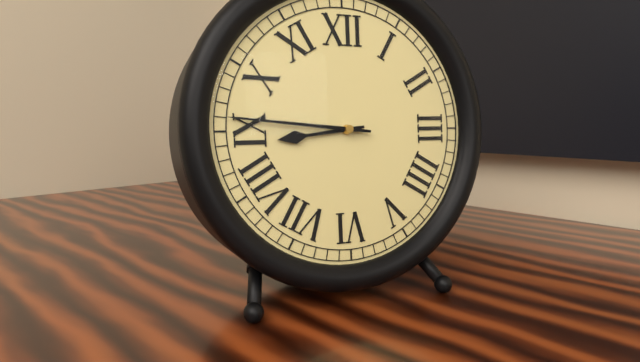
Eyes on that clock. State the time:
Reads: 8:46
